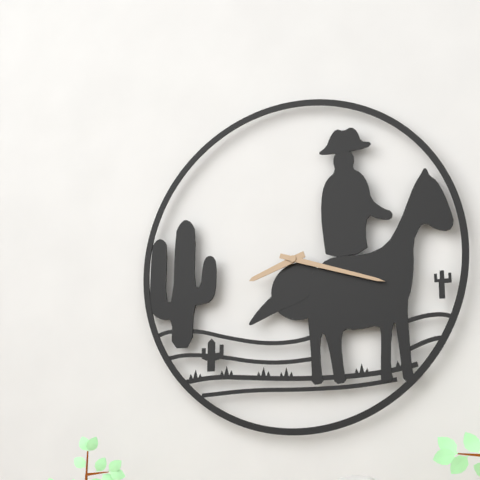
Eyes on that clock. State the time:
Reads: 8:18
